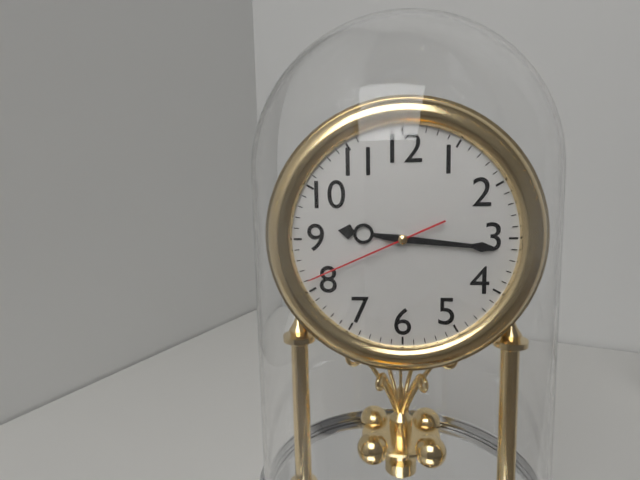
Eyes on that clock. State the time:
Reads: 9:16:41
